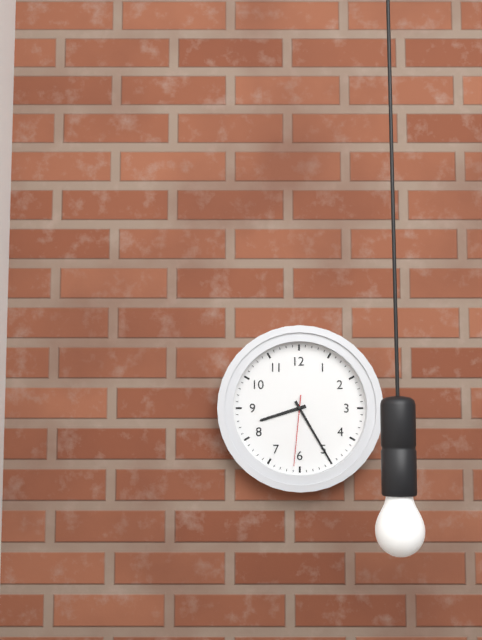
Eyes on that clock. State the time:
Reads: 8:25:31
